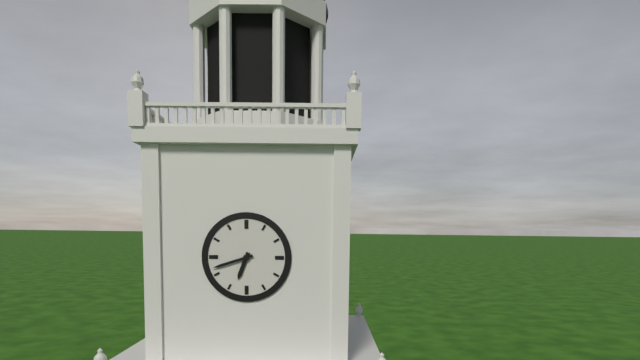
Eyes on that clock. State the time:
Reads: 6:42
